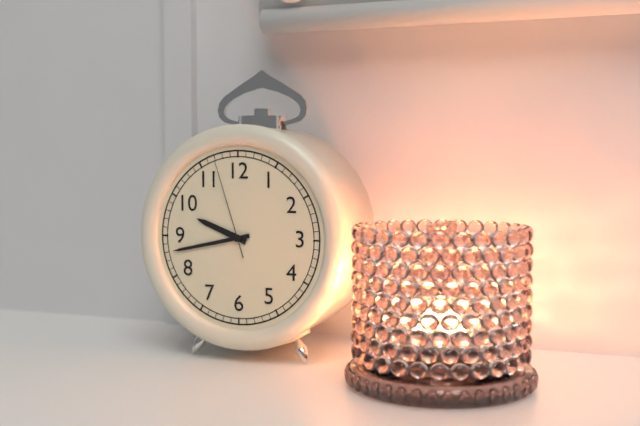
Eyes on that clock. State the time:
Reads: 9:43:57
